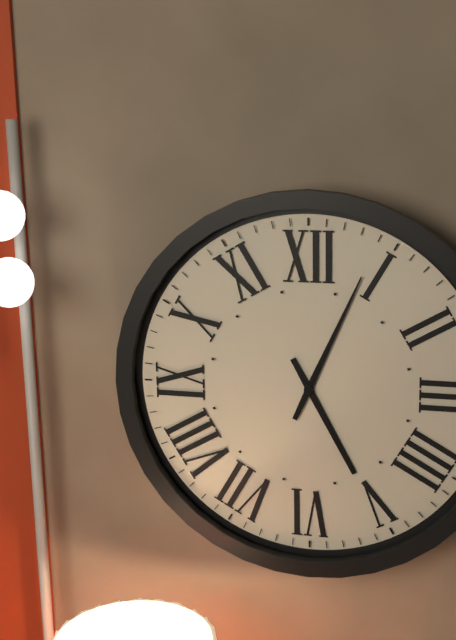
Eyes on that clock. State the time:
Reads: 5:04
